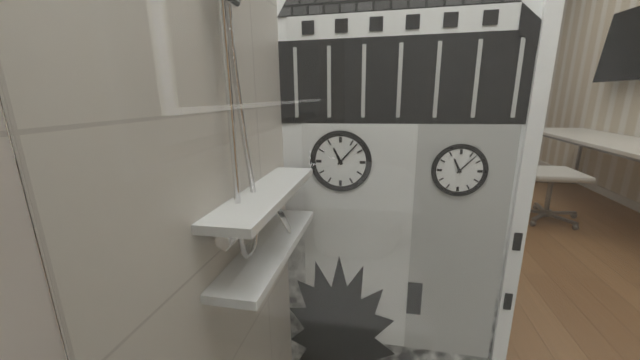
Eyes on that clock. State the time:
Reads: 11:07
